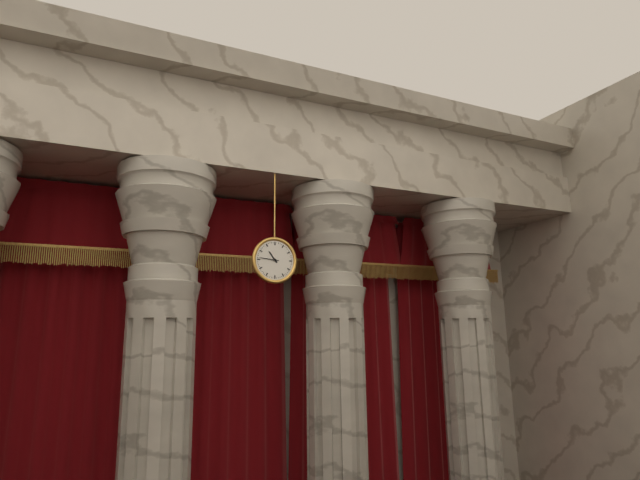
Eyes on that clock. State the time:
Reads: 10:46
